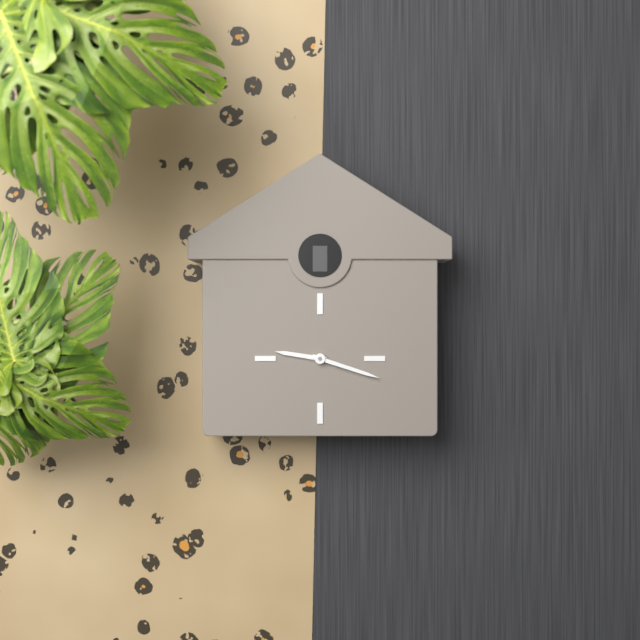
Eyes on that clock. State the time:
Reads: 9:18
